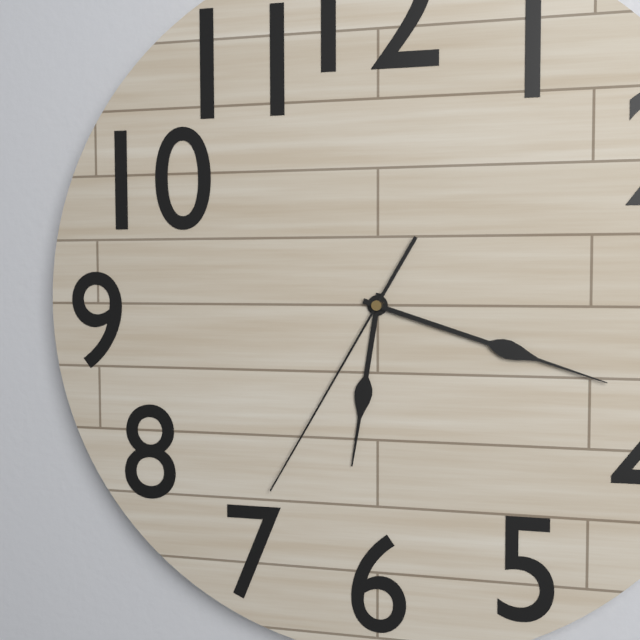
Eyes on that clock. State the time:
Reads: 6:18:35
